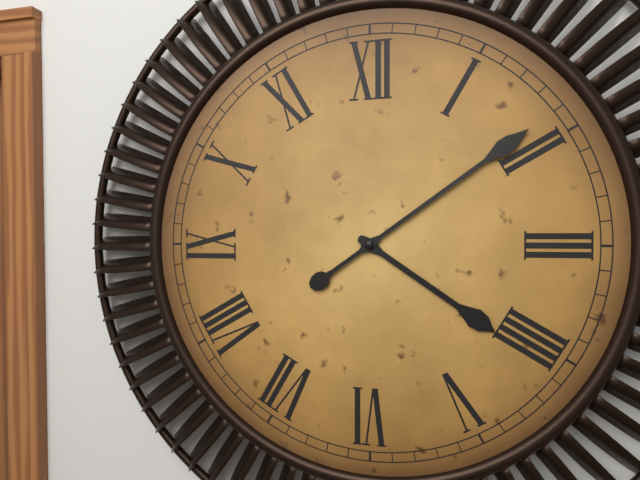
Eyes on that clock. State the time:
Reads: 4:09
